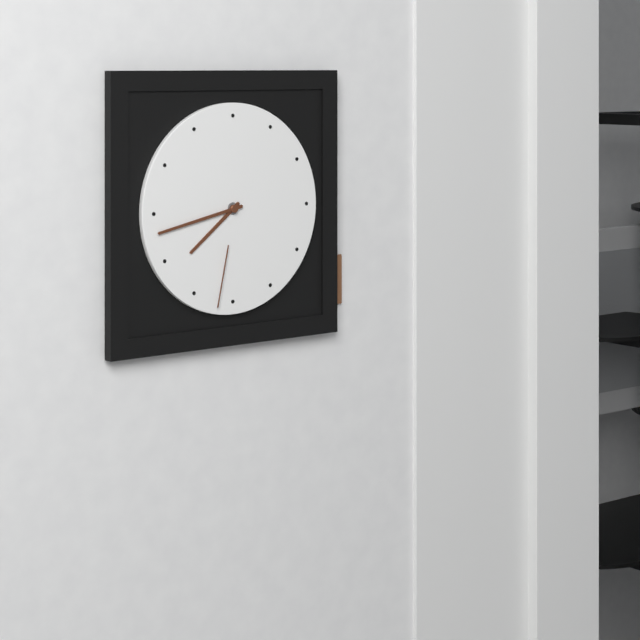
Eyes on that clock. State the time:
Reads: 7:43:32
